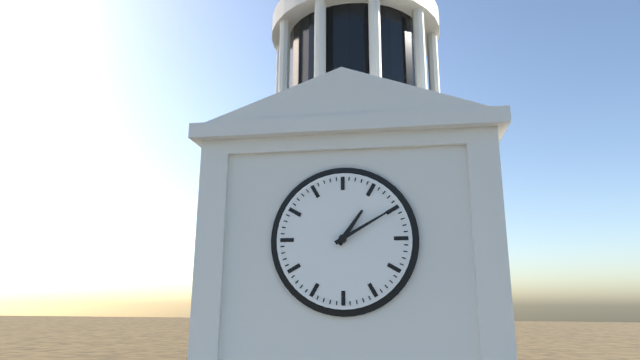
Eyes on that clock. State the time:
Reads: 1:10
